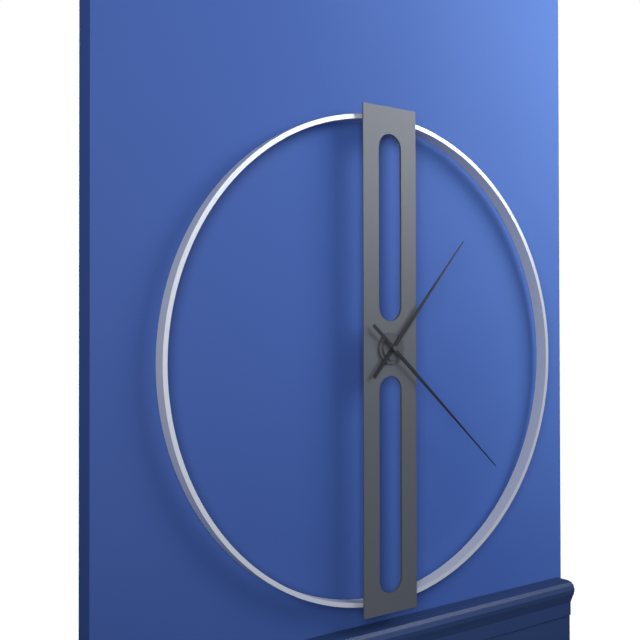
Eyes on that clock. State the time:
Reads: 1:22
